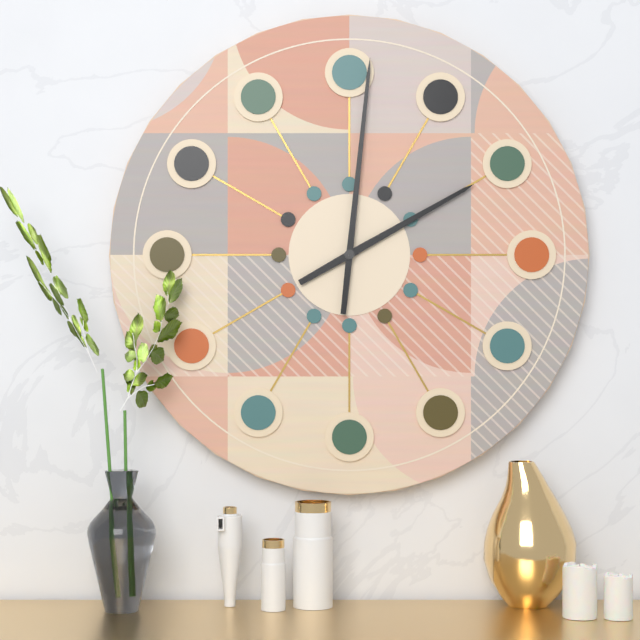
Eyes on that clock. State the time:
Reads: 2:01
